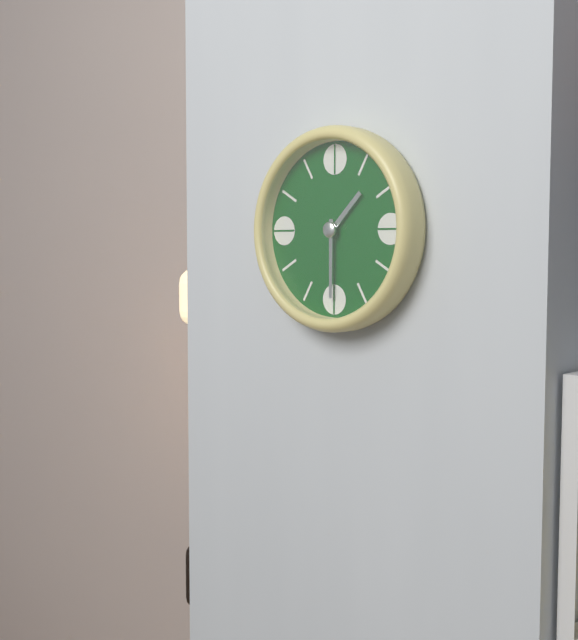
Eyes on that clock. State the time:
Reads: 1:30
